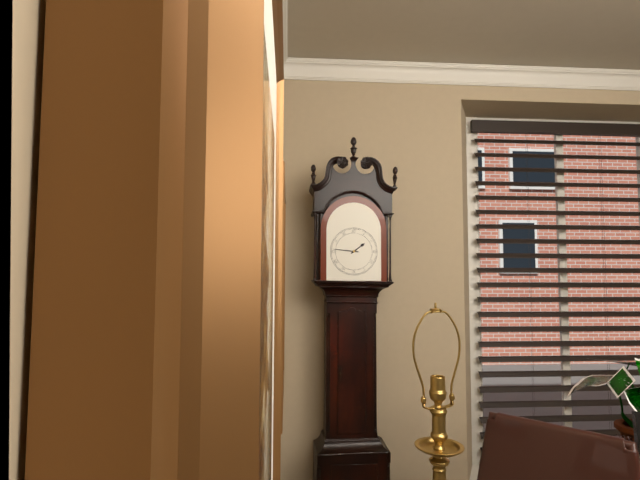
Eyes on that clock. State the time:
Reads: 1:46
